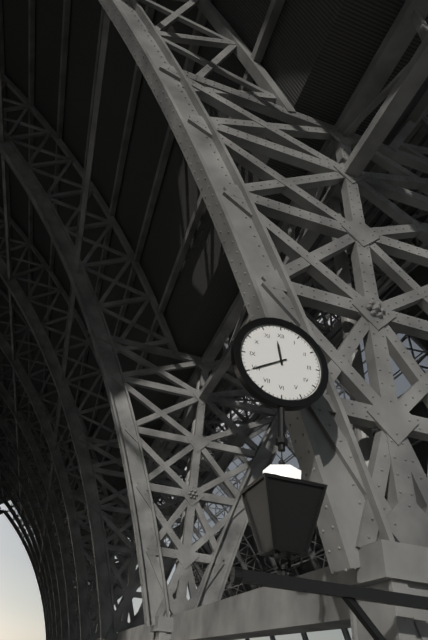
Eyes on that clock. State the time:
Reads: 11:40
